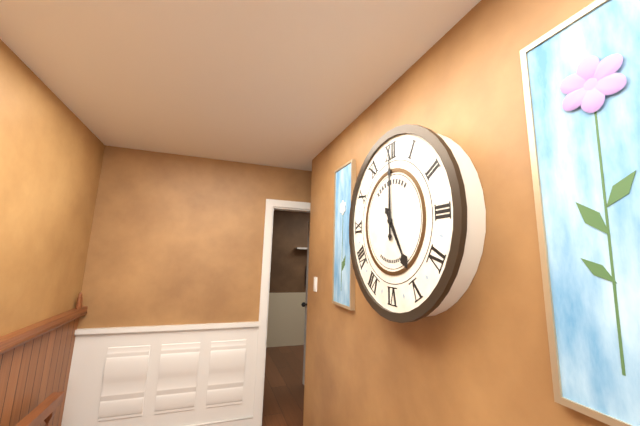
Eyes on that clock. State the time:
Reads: 5:00
